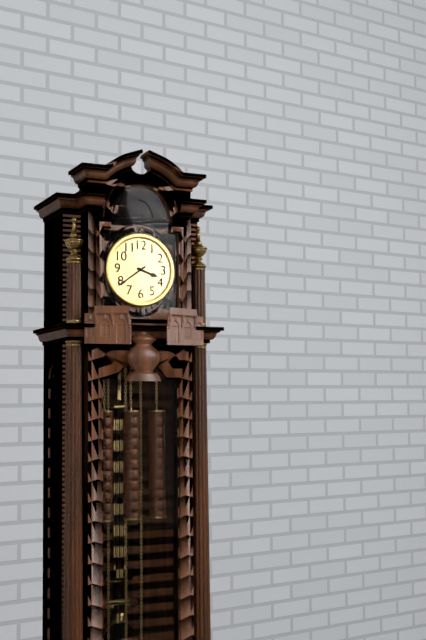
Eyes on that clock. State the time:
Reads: 3:39
